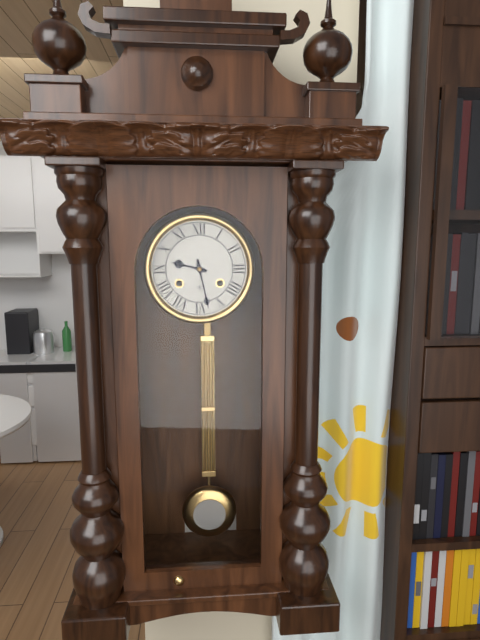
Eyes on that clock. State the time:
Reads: 9:28
